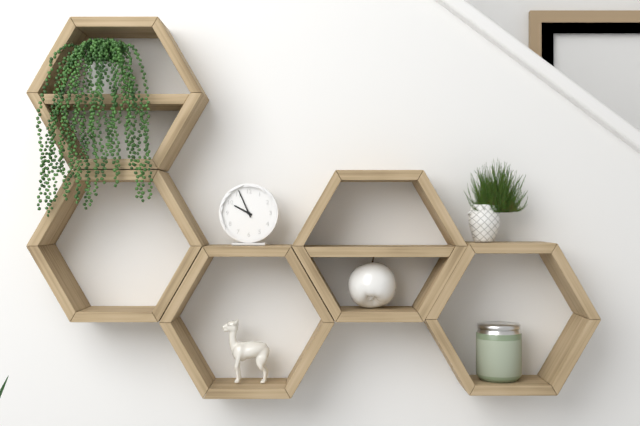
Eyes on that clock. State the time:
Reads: 9:56
